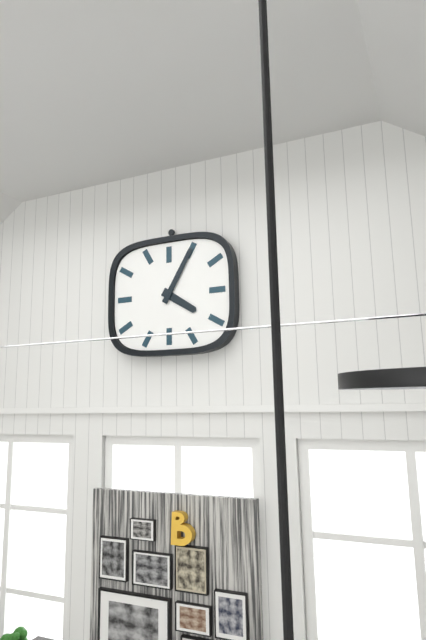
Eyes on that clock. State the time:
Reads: 4:05
